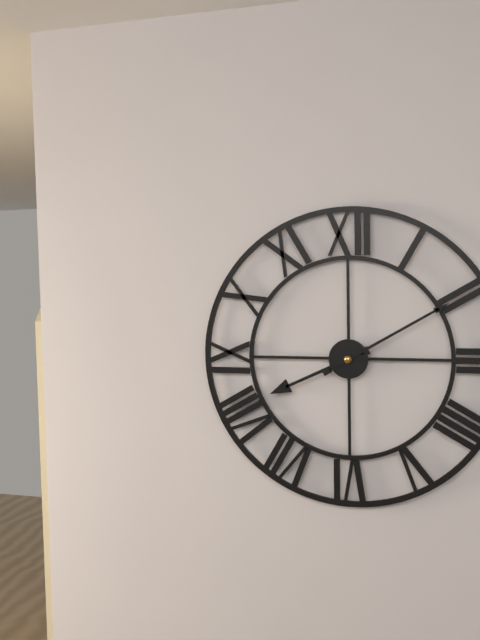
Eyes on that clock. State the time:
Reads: 8:10
